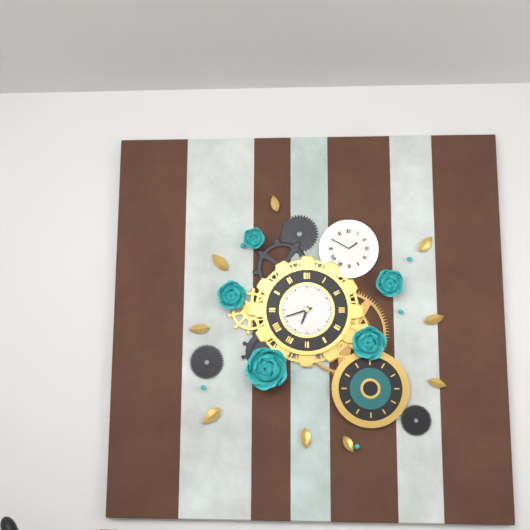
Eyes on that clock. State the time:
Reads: 6:42
